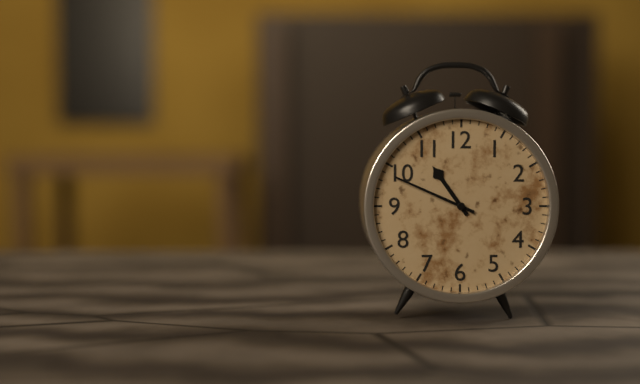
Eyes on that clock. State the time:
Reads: 10:49
